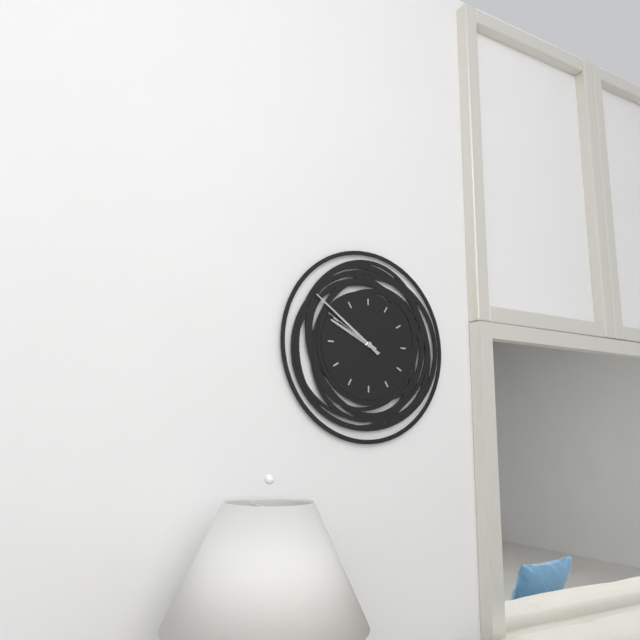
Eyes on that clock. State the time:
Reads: 9:51:50
